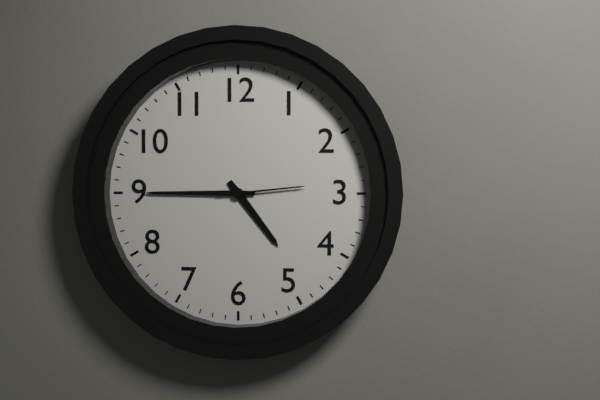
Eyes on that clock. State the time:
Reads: 4:45:14
